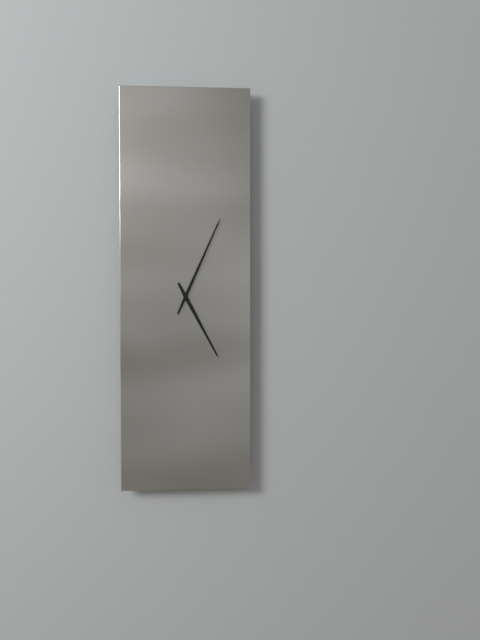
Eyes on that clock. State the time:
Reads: 5:04
